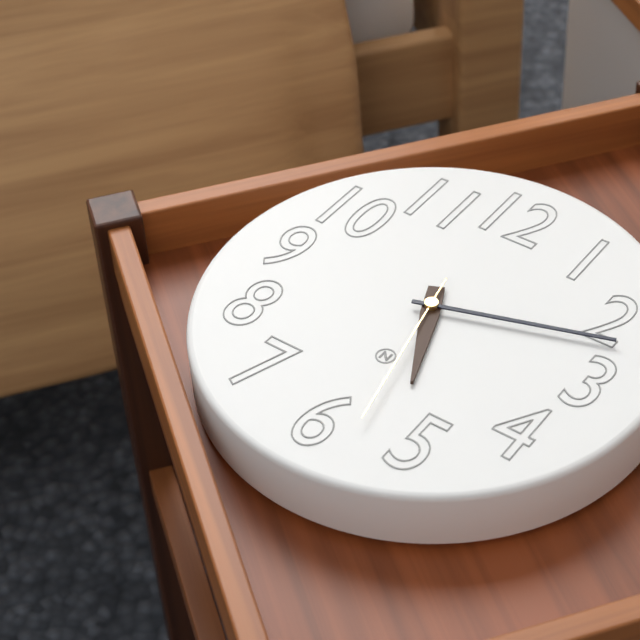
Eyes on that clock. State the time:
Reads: 5:12:28
